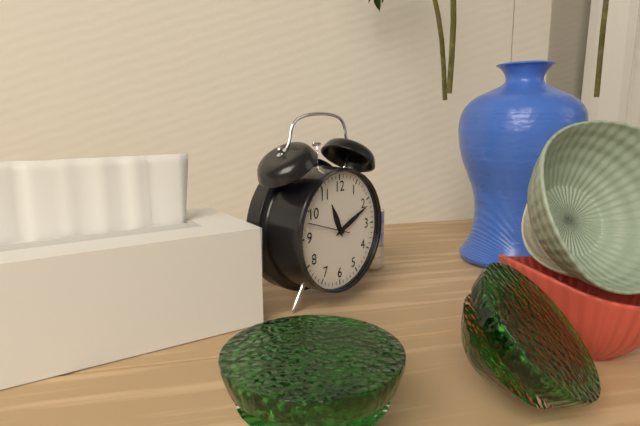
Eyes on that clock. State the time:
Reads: 11:11
